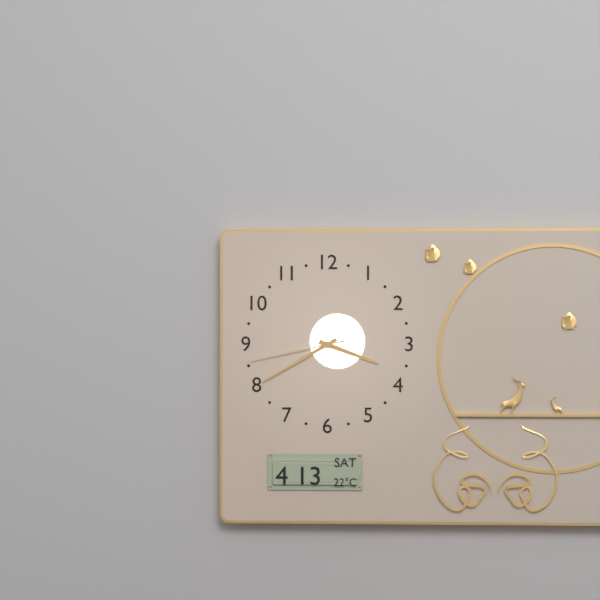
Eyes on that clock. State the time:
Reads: 3:40:43
